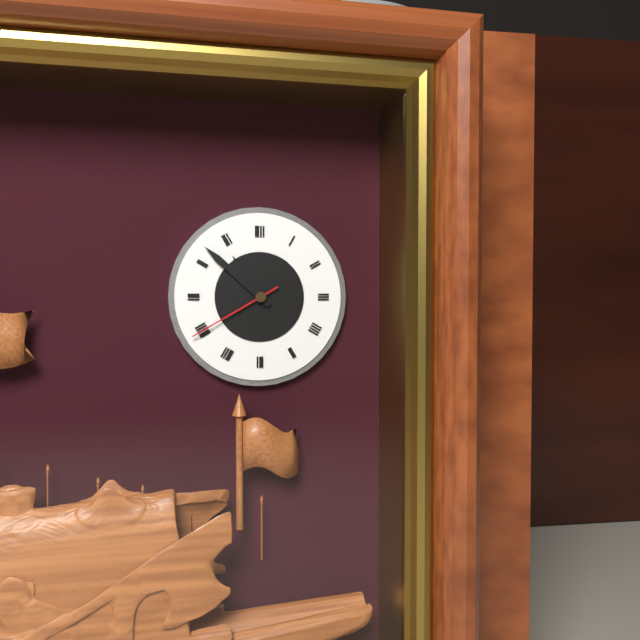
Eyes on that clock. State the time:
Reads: 10:52:40
